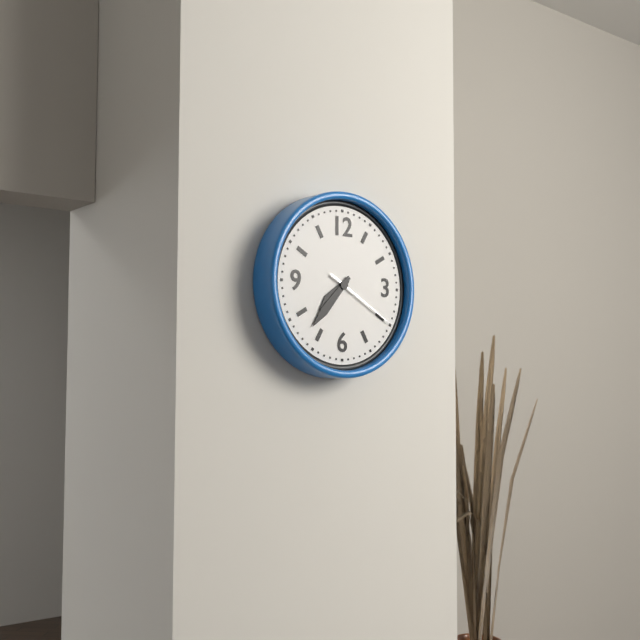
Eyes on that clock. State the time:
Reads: 7:37:20
